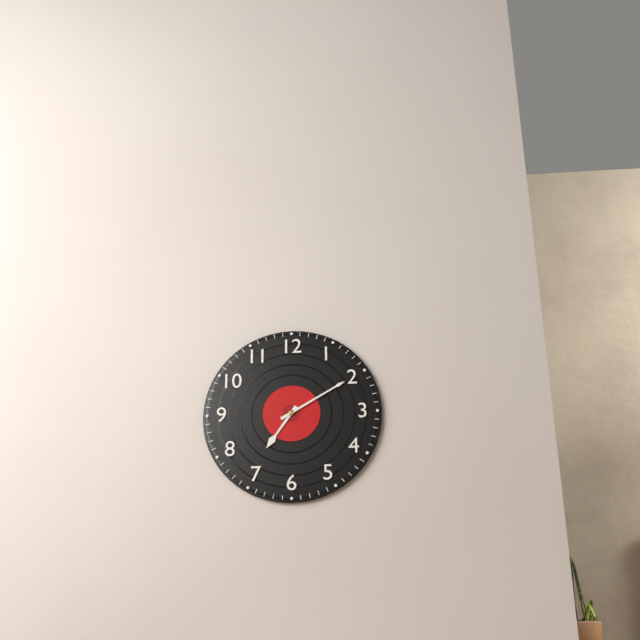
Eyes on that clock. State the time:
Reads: 7:10
